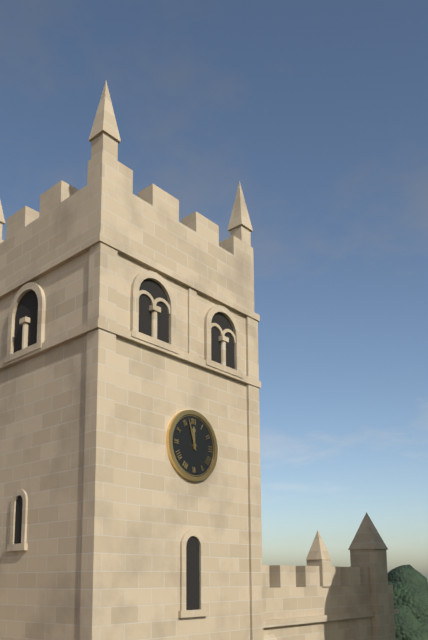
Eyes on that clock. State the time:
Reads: 11:57
